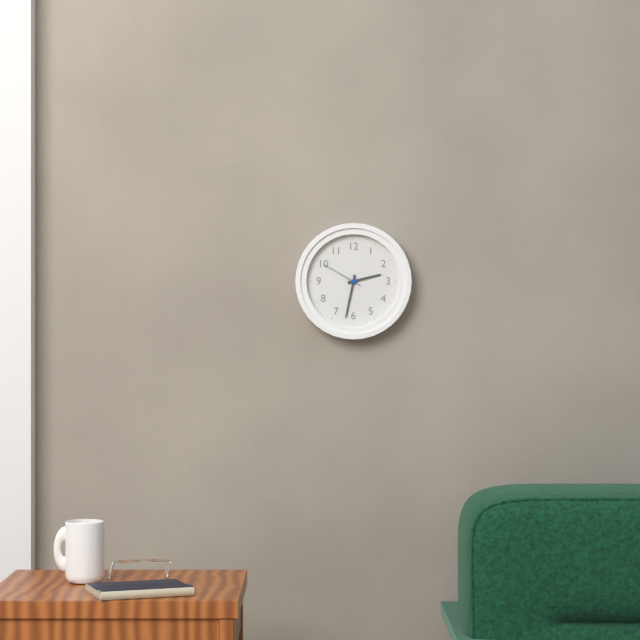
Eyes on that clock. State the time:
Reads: 2:32
